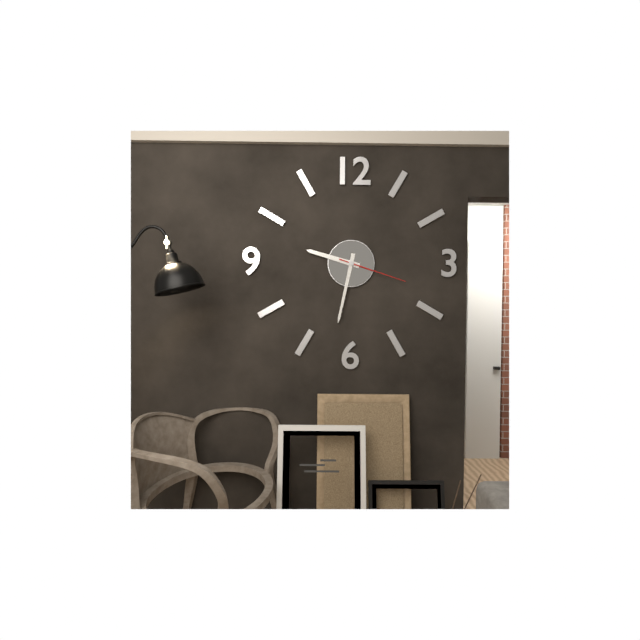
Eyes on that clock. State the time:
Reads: 9:32:18
